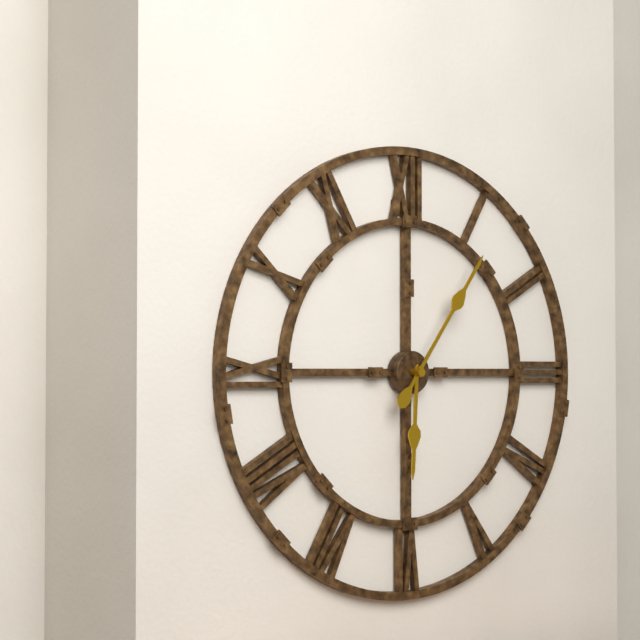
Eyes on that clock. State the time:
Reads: 6:06
